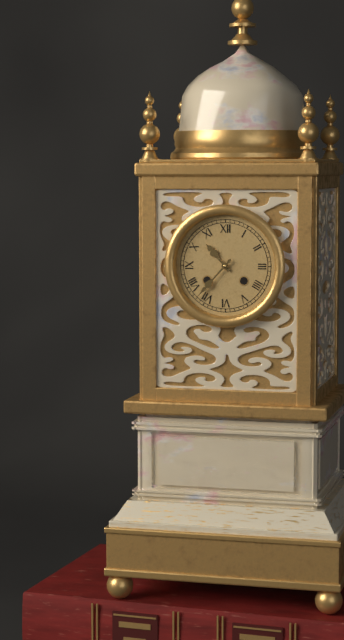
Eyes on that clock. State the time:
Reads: 10:37
